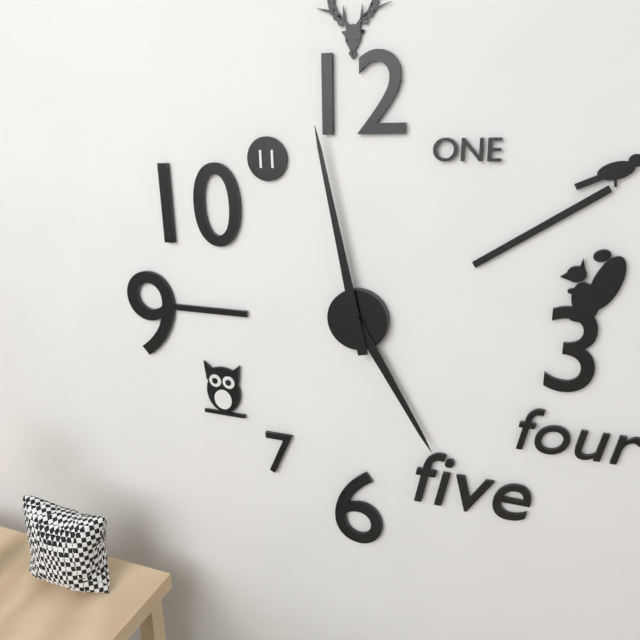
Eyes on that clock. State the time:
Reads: 4:58
